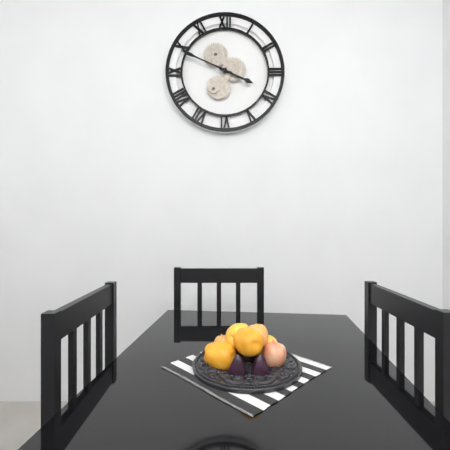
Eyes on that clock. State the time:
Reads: 3:49
